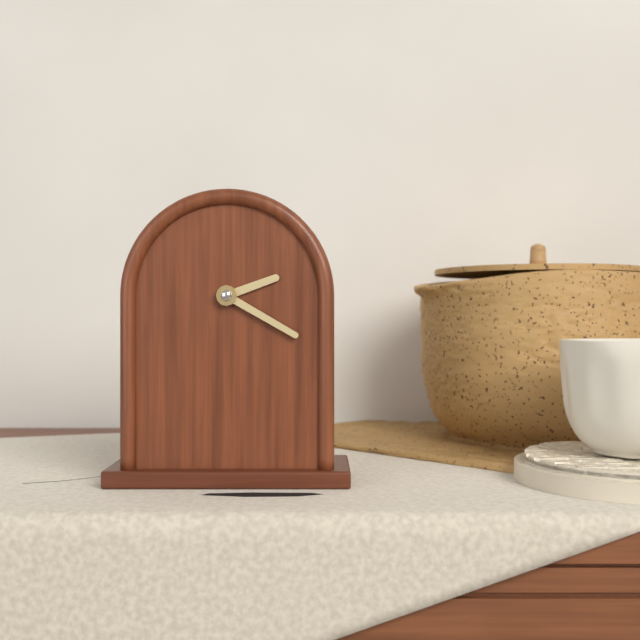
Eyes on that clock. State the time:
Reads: 2:20
